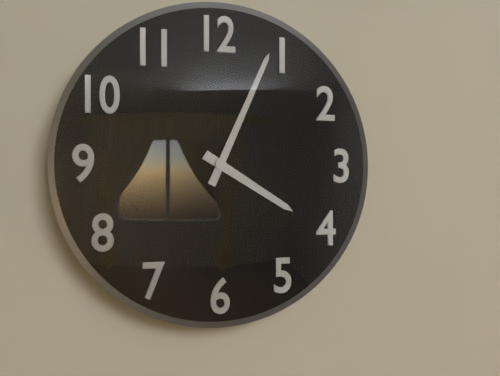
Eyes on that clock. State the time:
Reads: 4:04
